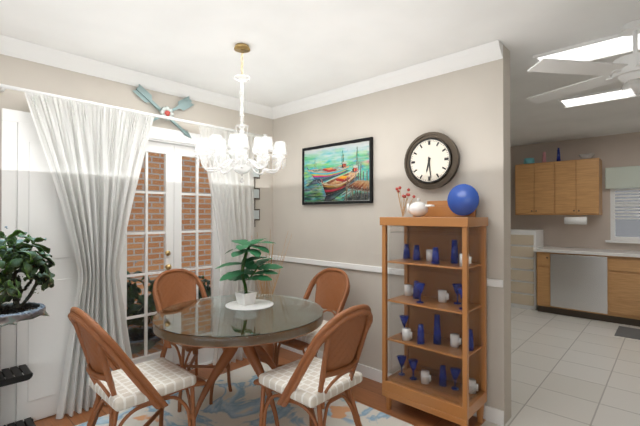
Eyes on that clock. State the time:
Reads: 6:29
